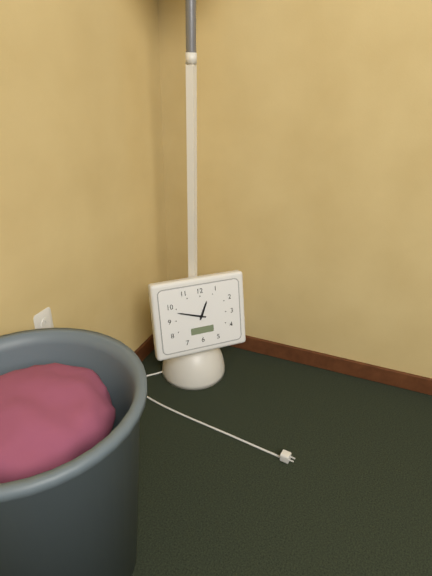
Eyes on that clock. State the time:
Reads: 12:48
